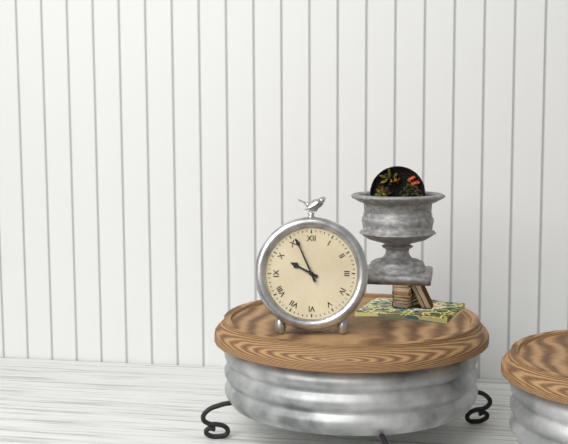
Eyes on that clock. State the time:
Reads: 9:56
